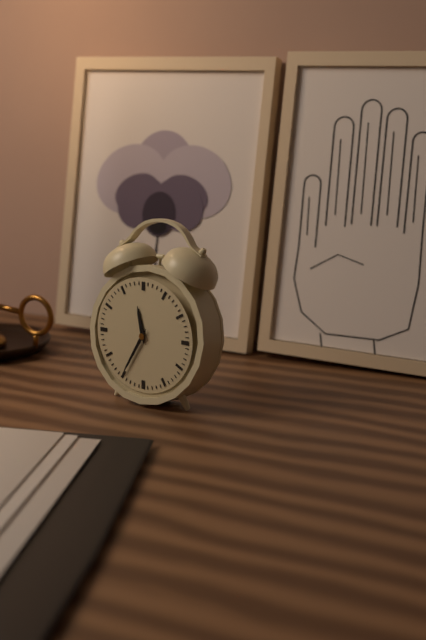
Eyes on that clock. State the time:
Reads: 11:35
